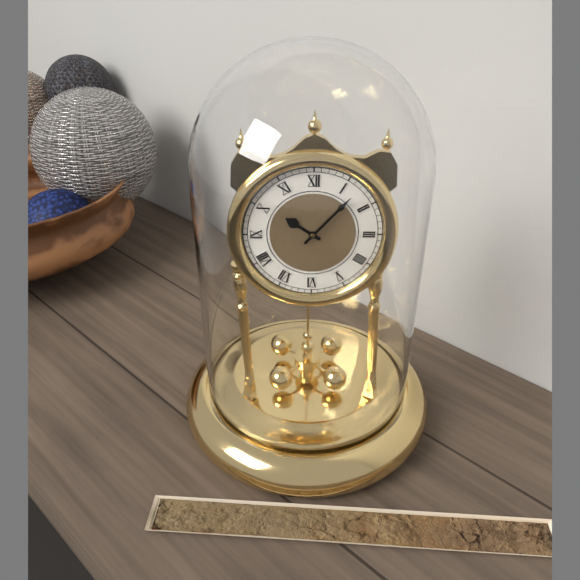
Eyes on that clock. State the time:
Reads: 10:07
